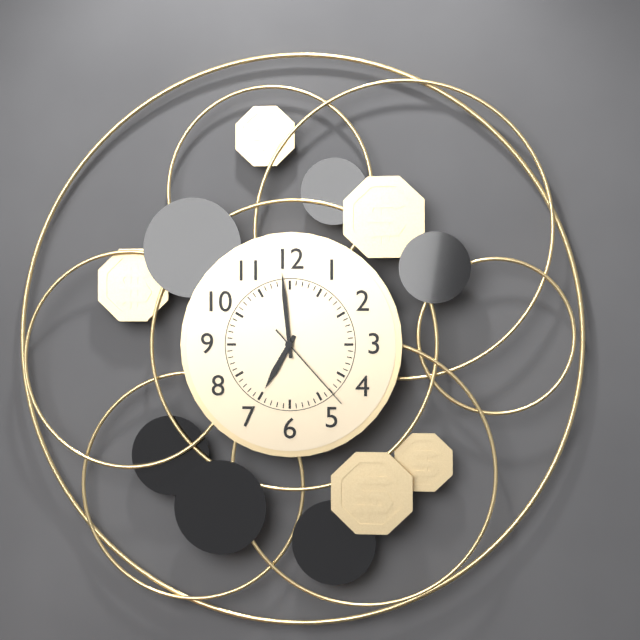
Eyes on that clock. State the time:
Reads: 6:59:23
